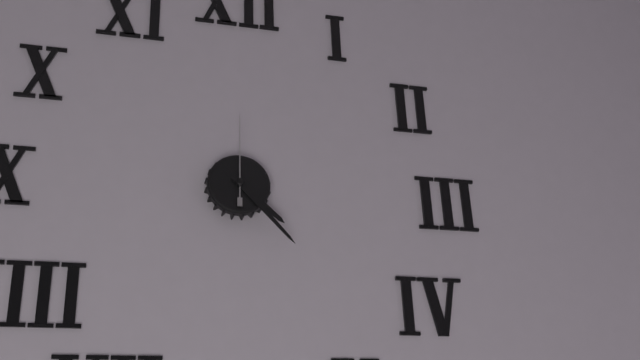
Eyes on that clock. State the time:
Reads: 4:23:00
